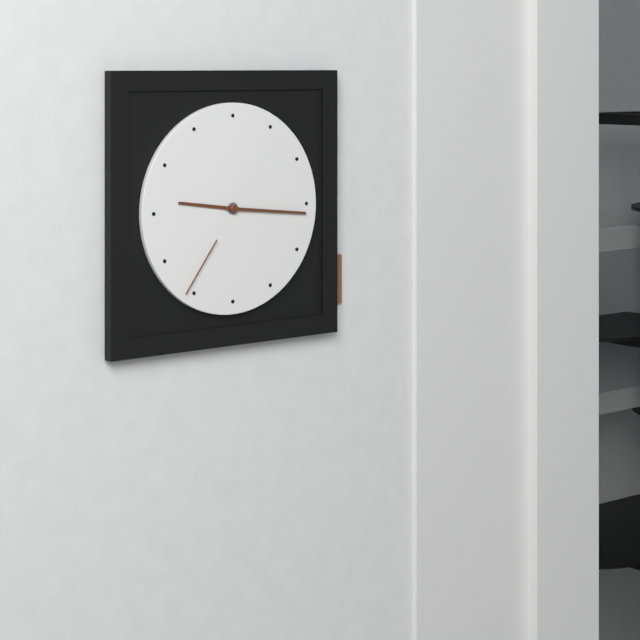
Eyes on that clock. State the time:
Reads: 9:16:36
